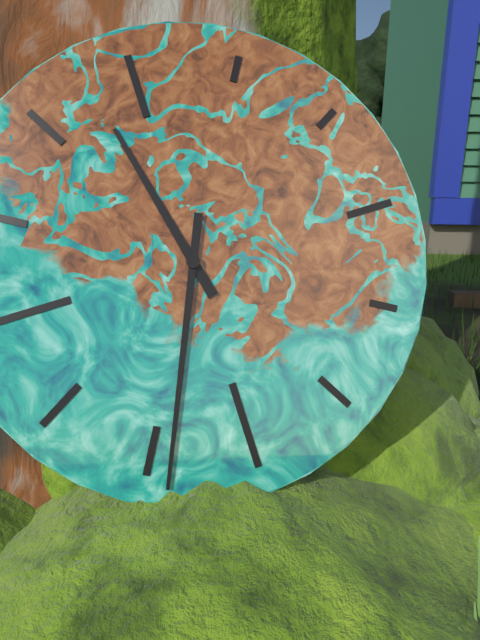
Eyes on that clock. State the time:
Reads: 11:34
